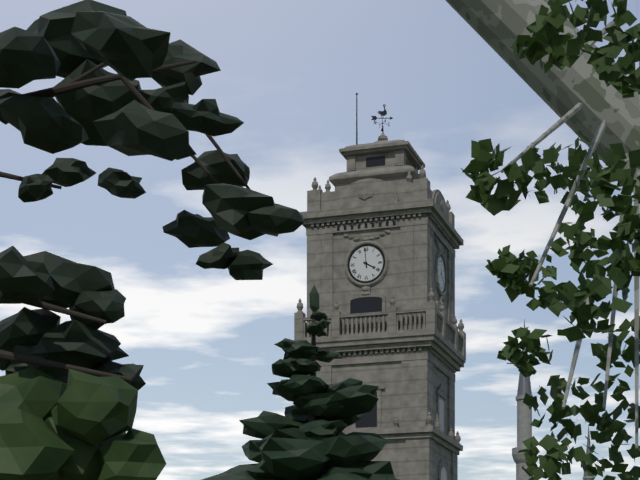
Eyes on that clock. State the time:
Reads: 3:59
